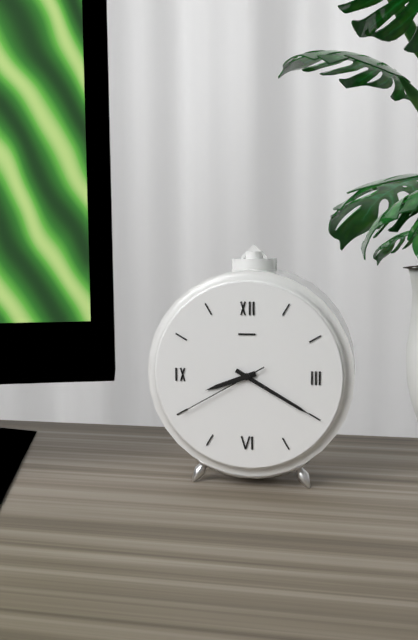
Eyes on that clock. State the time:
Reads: 8:20:40
